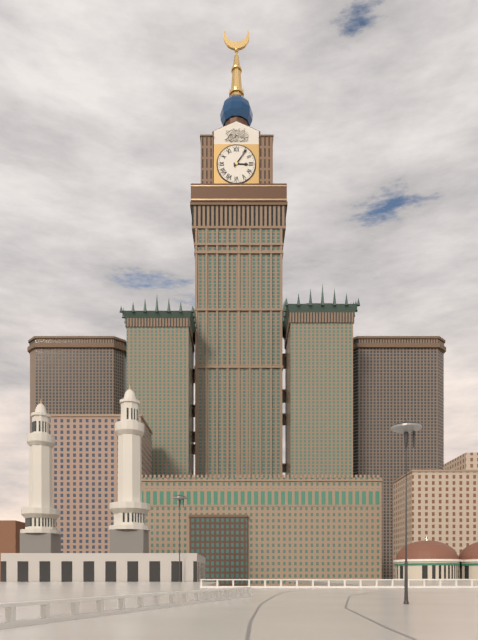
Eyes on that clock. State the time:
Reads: 3:06
